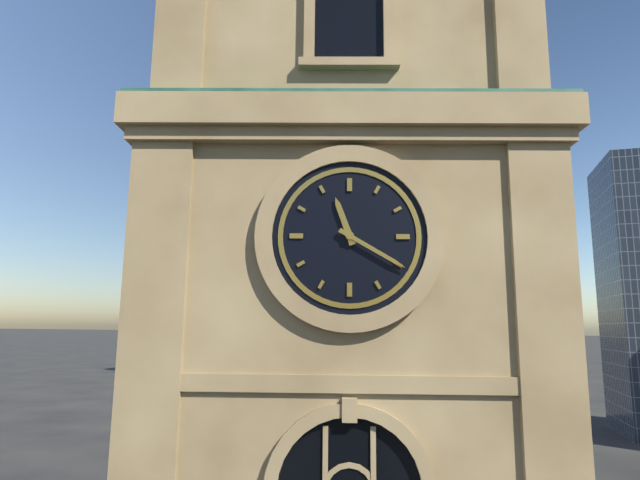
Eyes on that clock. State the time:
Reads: 11:20
